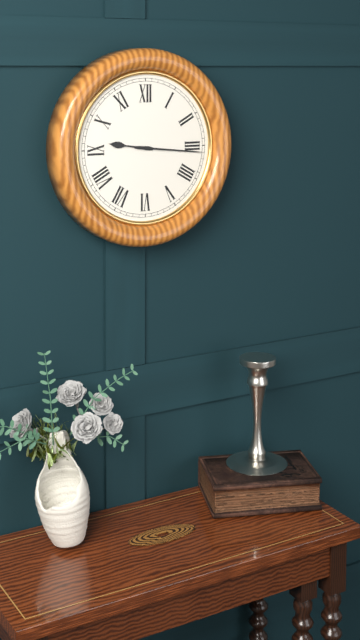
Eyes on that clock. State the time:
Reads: 9:16
